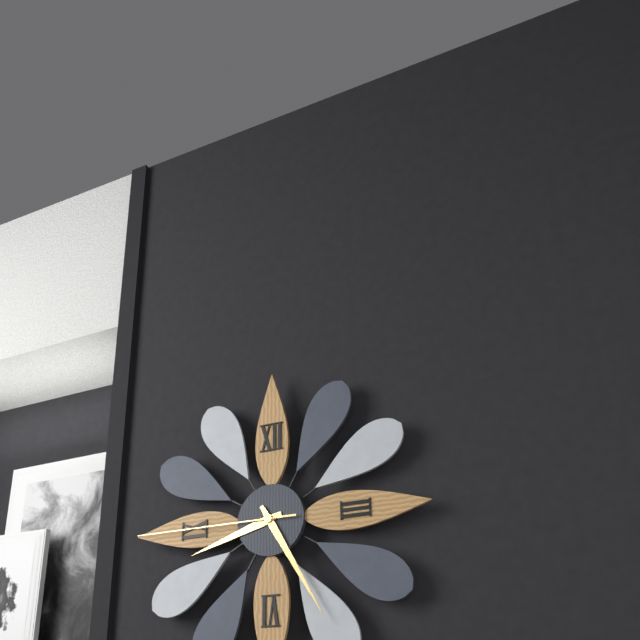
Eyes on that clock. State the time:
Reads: 8:25:45
